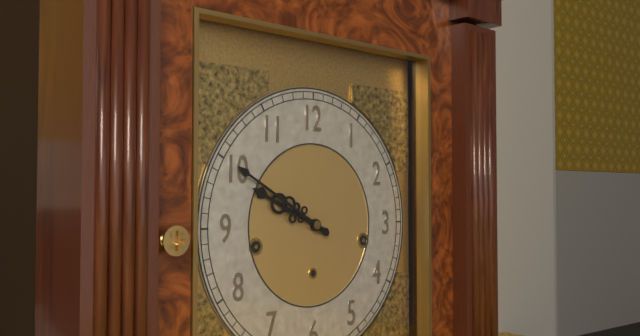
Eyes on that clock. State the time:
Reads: 9:50
